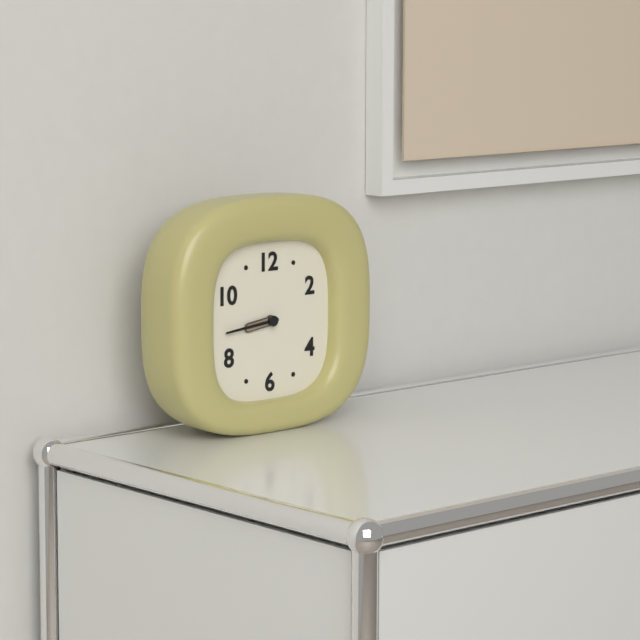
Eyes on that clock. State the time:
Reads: 8:44
